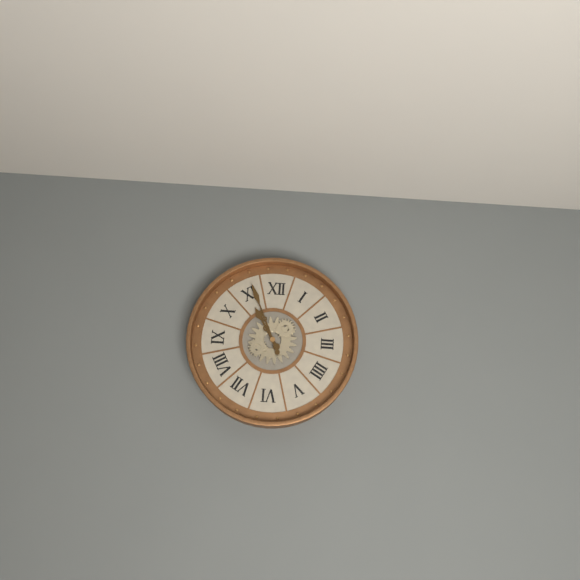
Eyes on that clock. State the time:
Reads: 10:56
